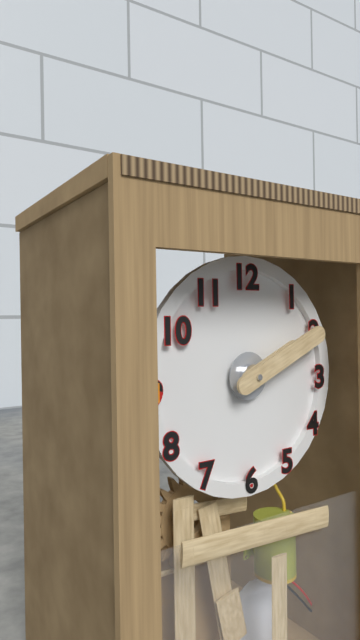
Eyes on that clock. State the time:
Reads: 2:11
